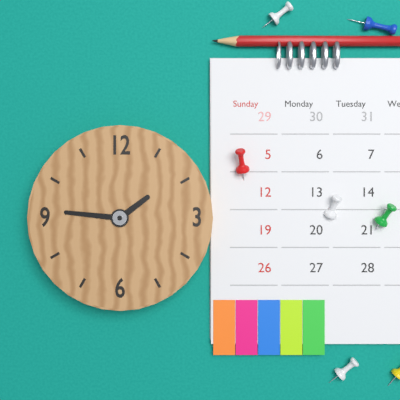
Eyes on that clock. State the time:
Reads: 1:46
